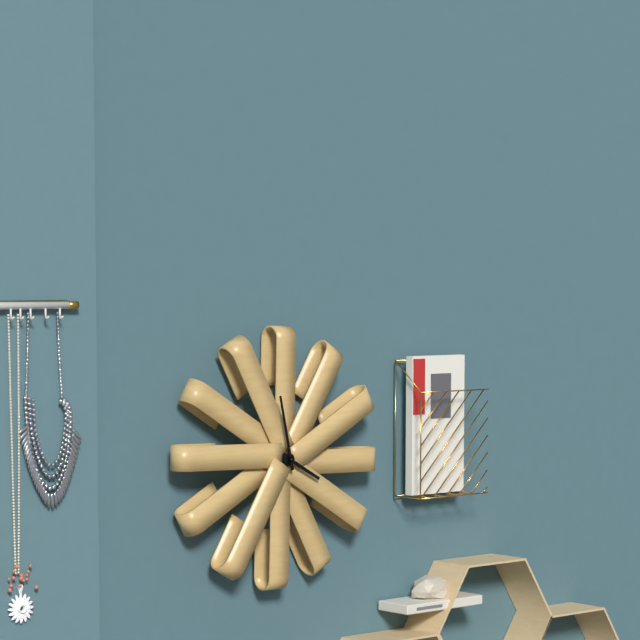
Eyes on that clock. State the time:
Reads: 3:58
